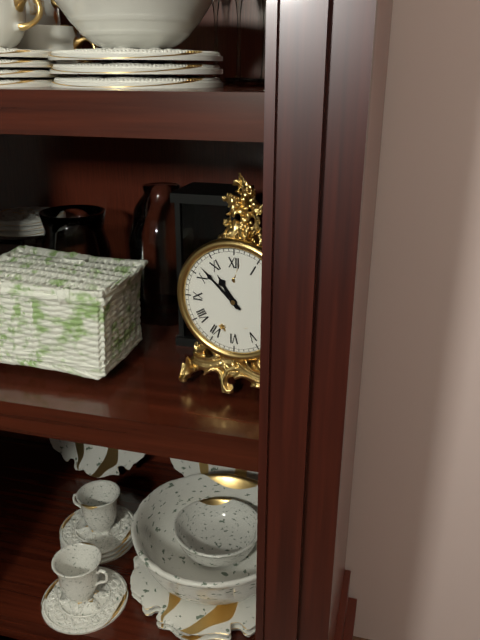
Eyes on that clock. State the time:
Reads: 10:52
